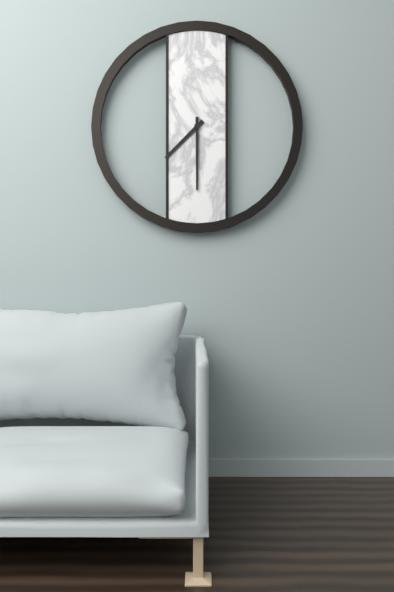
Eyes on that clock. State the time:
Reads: 7:30
